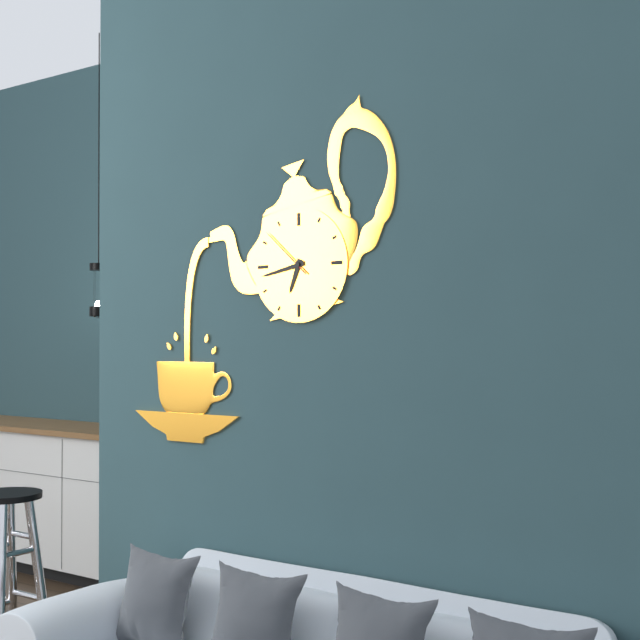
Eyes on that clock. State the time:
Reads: 6:43:52
